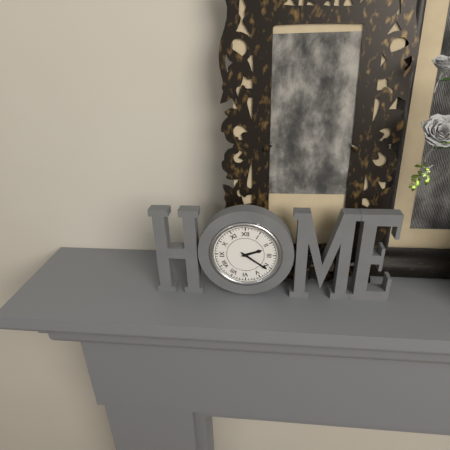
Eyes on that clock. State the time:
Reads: 2:21
